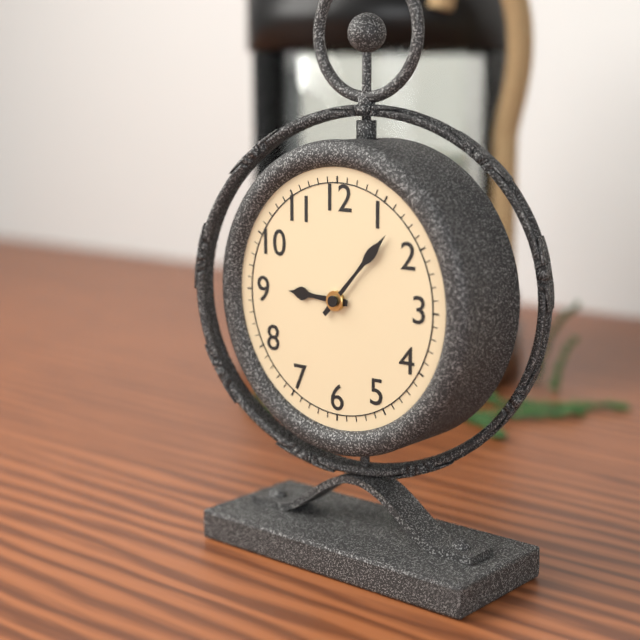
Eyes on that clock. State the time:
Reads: 9:07
